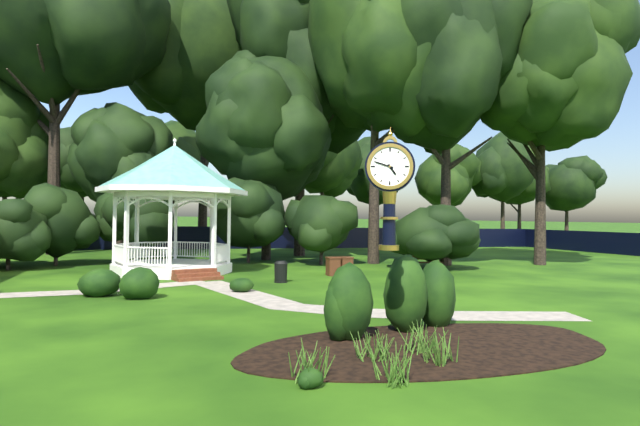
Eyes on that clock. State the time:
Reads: 4:48
